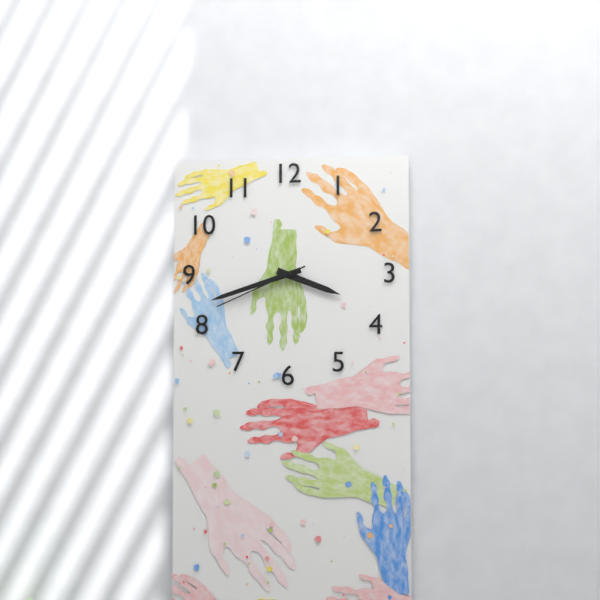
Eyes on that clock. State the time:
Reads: 3:42:41
